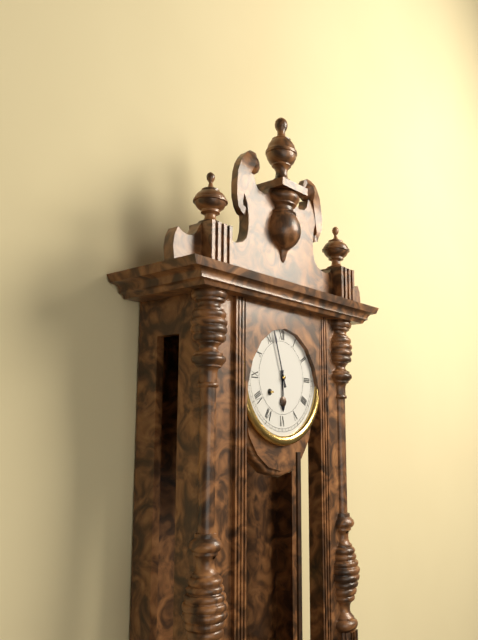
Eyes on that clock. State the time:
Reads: 5:57
